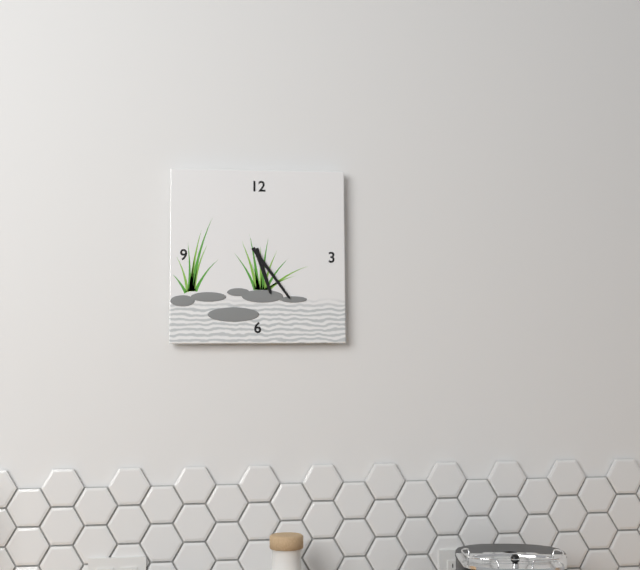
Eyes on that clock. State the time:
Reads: 5:24
